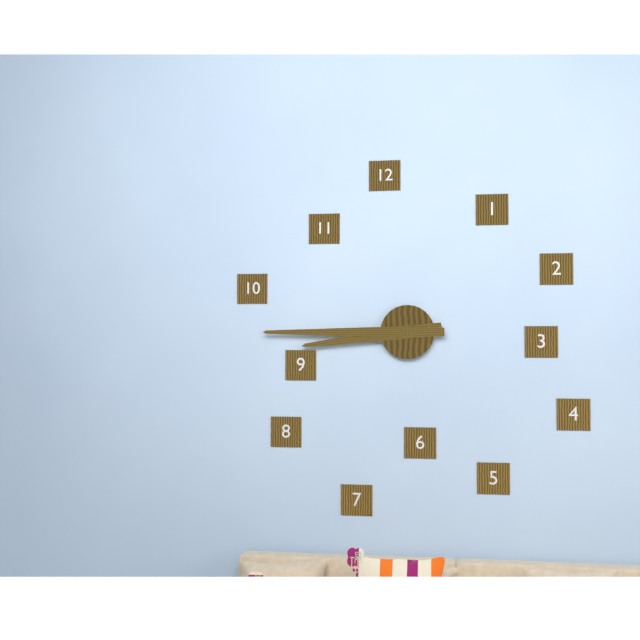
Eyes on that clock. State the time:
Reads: 8:45
